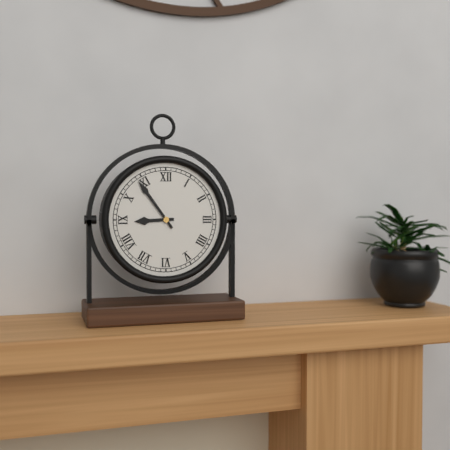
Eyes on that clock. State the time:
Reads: 8:54
